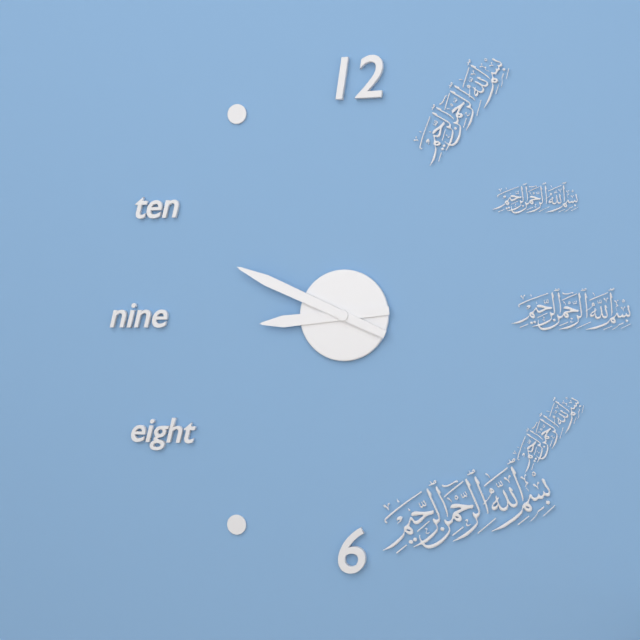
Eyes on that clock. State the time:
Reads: 8:49
